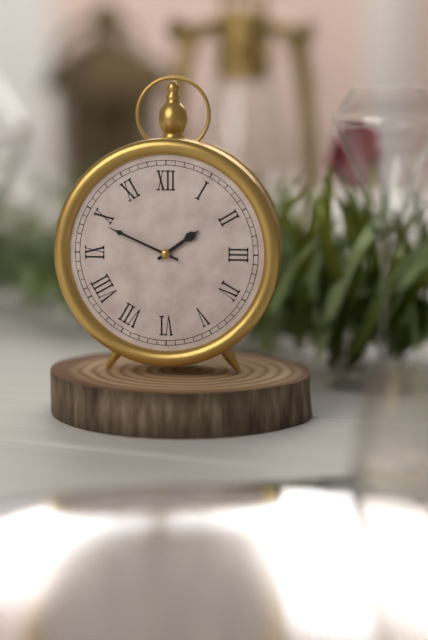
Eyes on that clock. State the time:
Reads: 1:49
